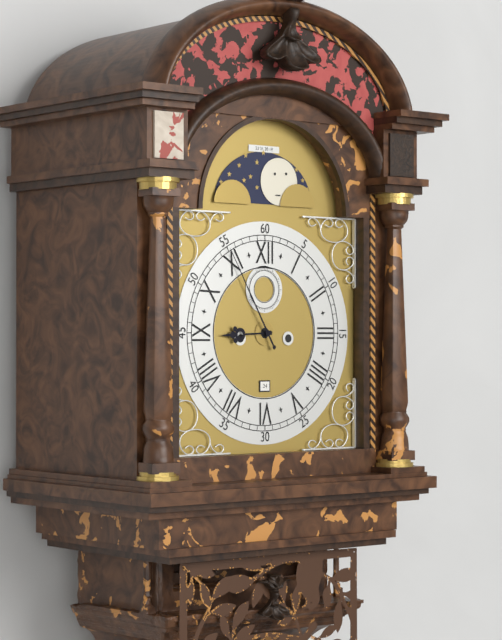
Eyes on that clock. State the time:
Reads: 8:55
